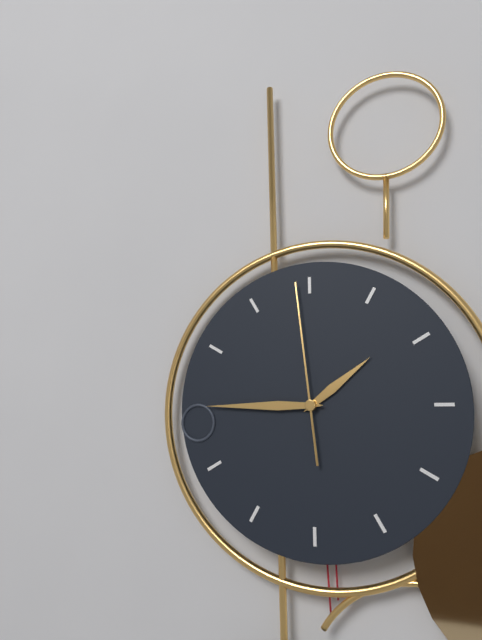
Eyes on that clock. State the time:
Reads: 1:45:59
